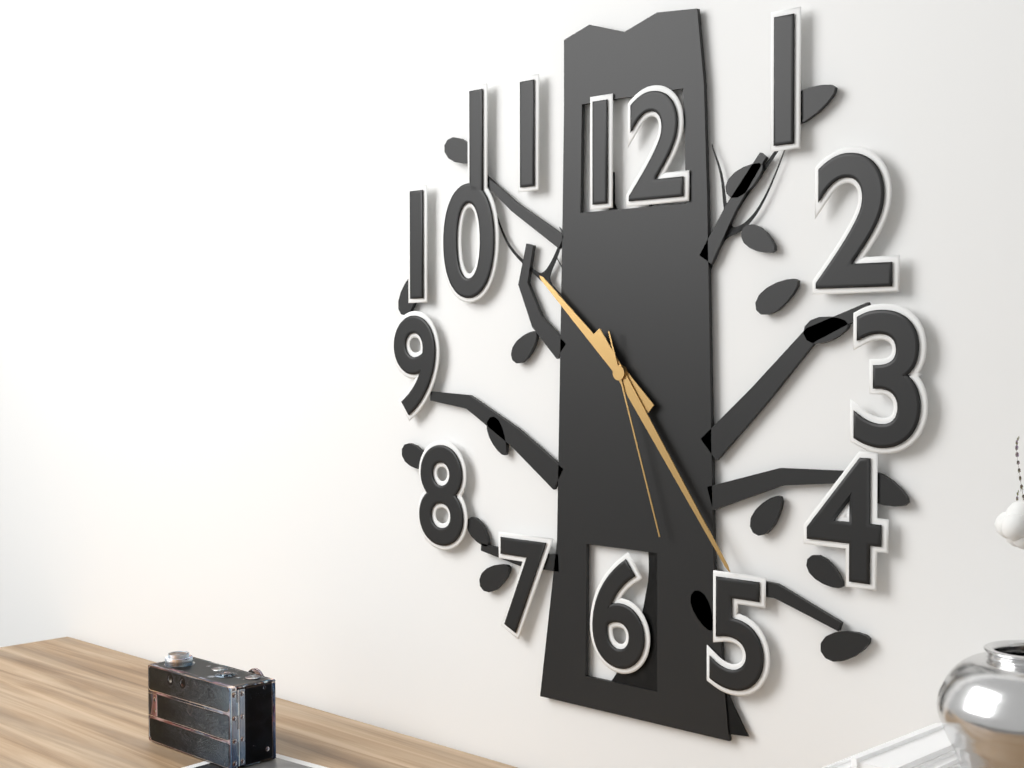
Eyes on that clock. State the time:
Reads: 10:24:27
